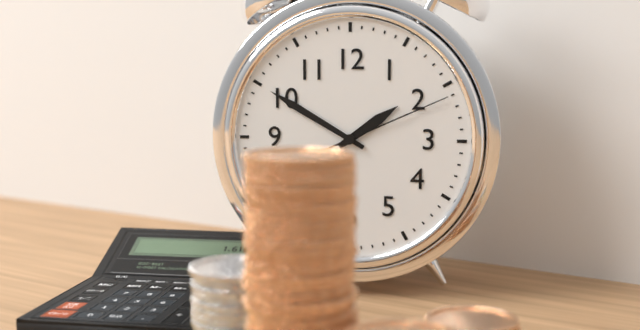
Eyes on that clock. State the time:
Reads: 1:50:11
